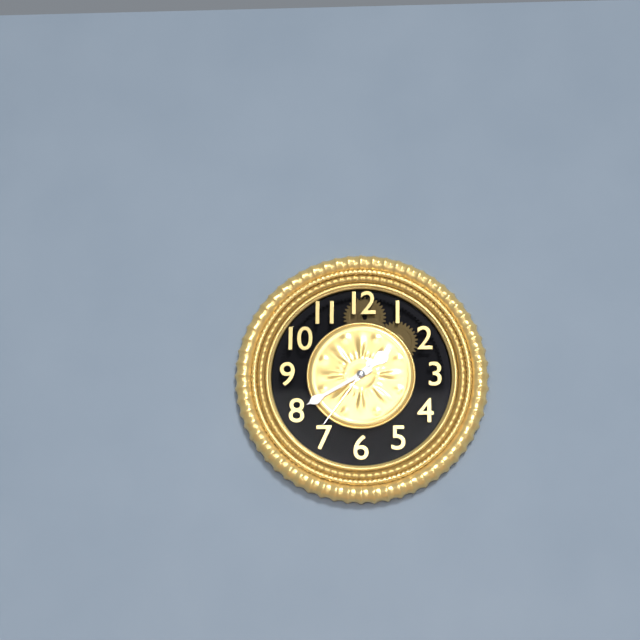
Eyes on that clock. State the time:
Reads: 1:40:36
